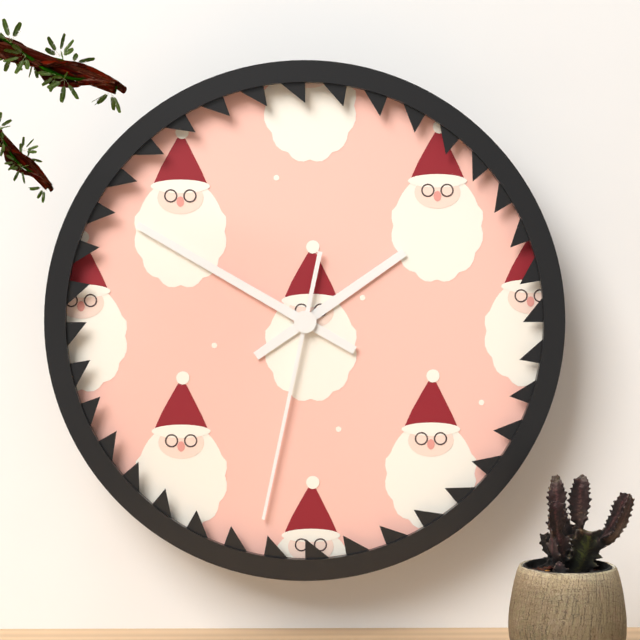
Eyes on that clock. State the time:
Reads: 1:50:32
